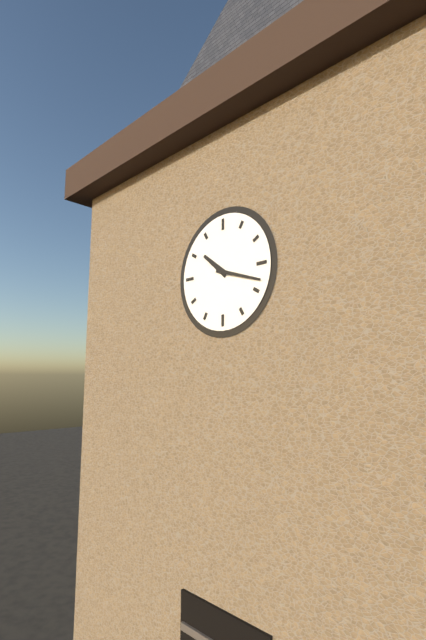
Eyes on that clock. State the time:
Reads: 10:18
